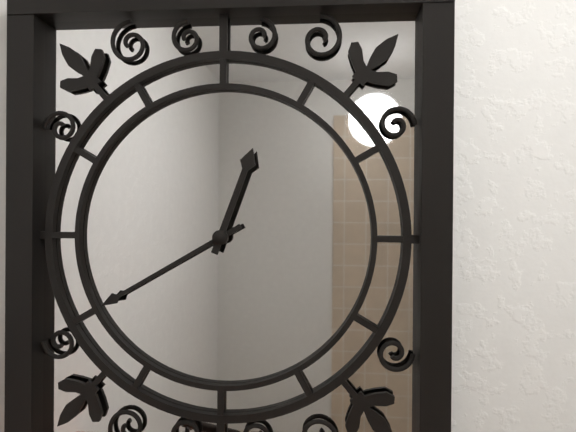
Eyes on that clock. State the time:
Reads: 12:40
